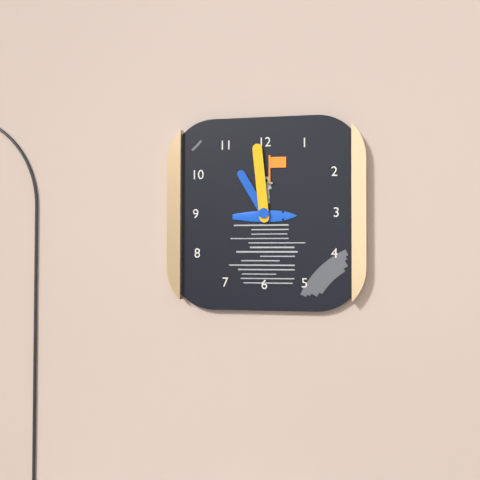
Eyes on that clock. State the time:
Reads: 10:59
